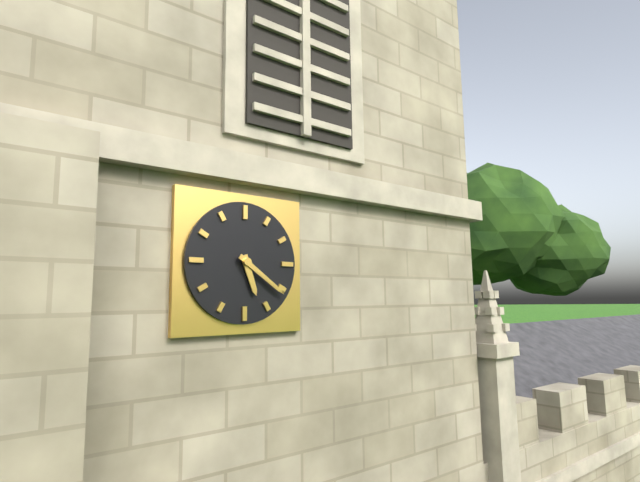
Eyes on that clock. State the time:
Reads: 5:21
